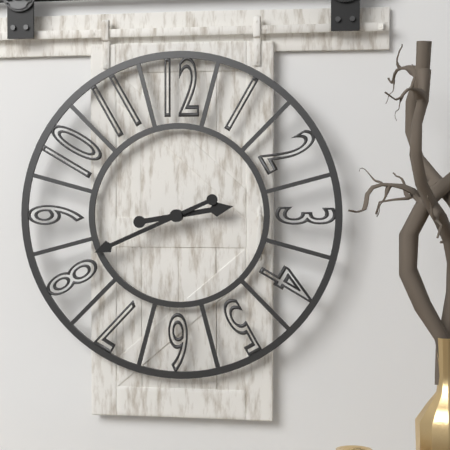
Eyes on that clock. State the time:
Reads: 2:41
